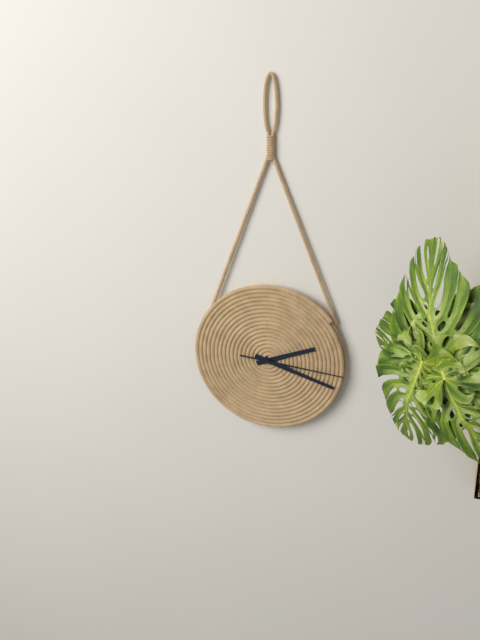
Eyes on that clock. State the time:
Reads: 2:18:16
